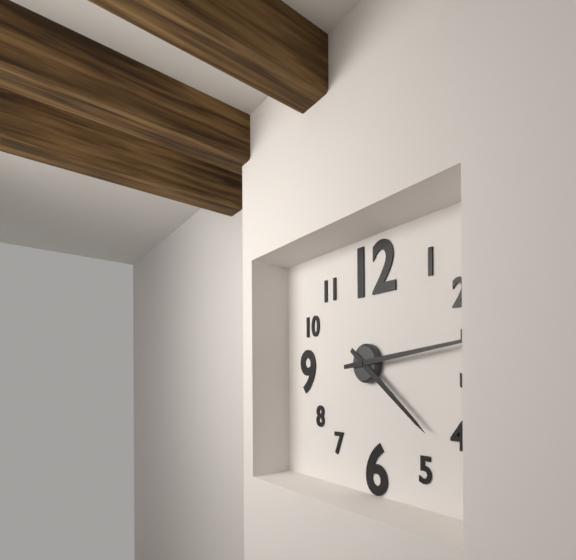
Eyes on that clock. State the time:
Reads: 4:14
